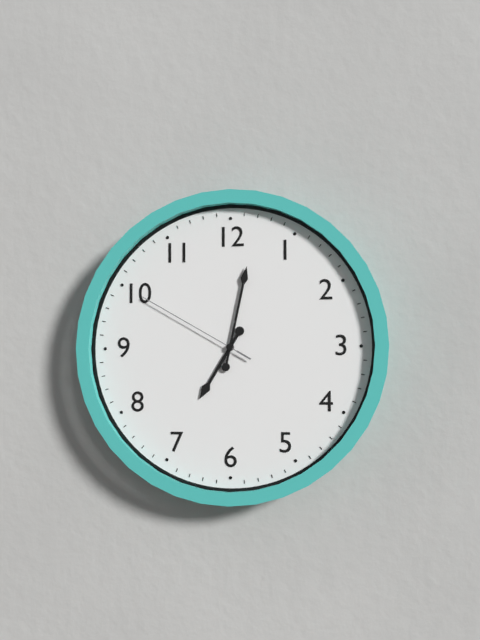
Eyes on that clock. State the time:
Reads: 7:02:50
